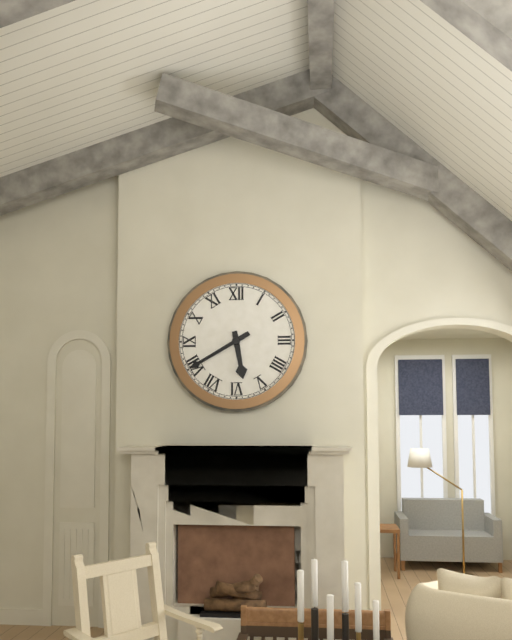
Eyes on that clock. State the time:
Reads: 5:40
